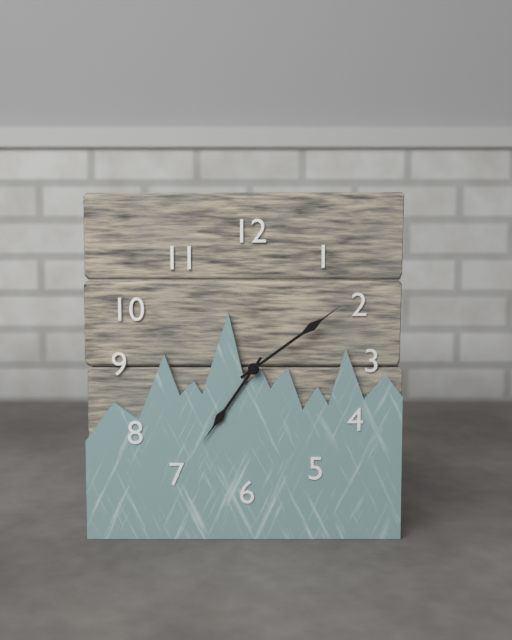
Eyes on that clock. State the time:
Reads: 7:09
